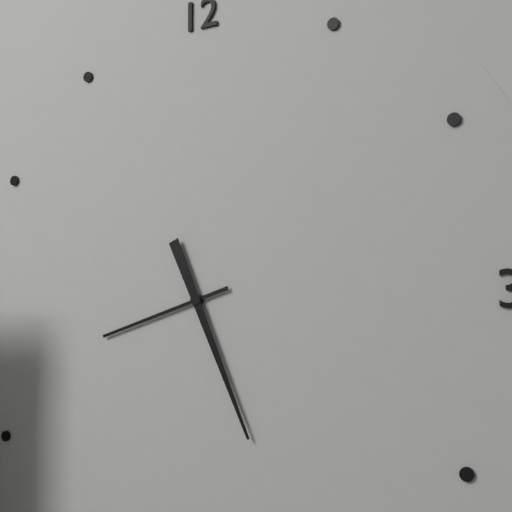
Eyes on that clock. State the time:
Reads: 8:26
